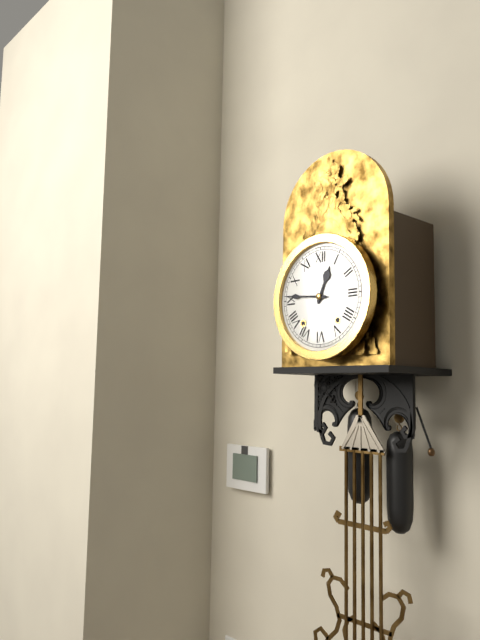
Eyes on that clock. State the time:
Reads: 12:46
